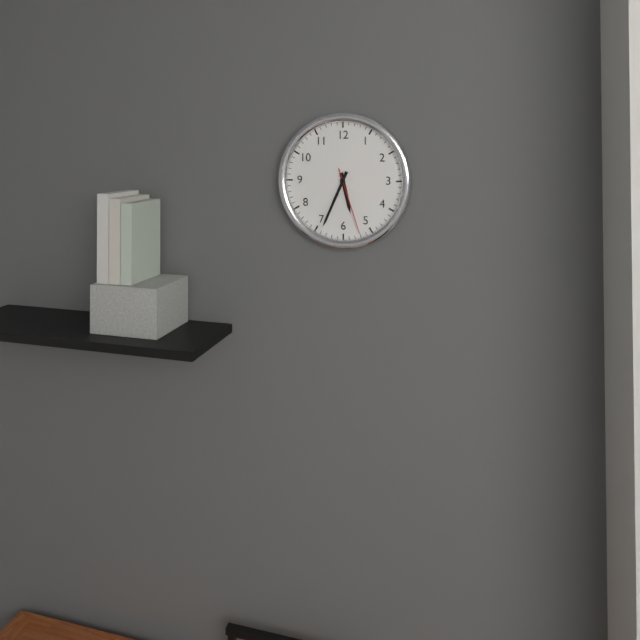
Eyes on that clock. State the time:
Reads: 5:34:27
